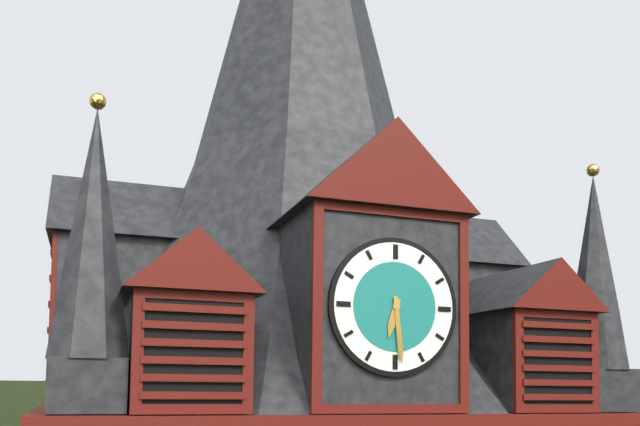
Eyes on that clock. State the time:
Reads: 6:29
